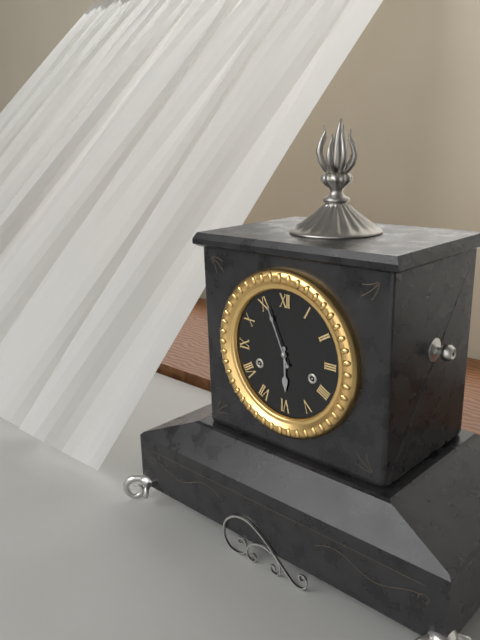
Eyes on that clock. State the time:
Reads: 5:56
